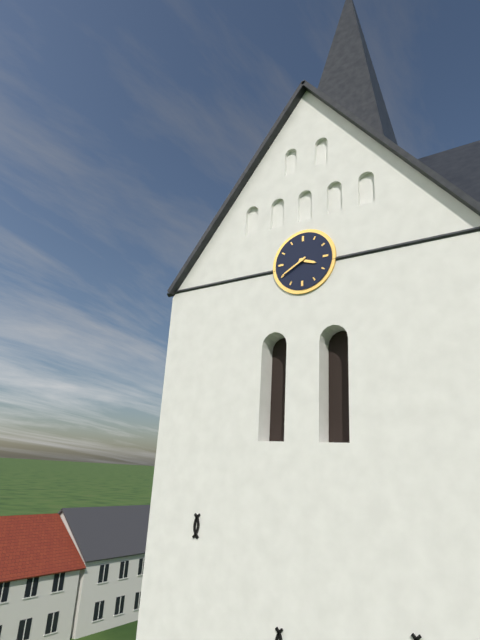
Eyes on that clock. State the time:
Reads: 3:40
